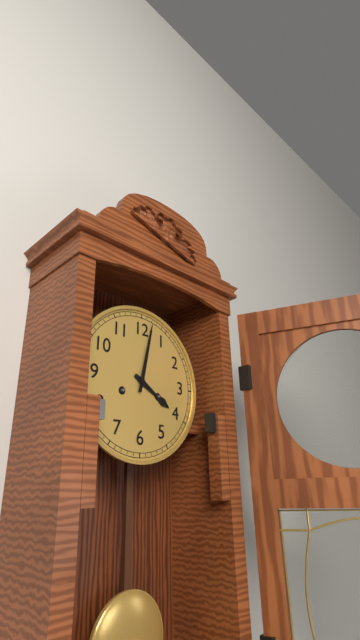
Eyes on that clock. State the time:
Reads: 4:02
